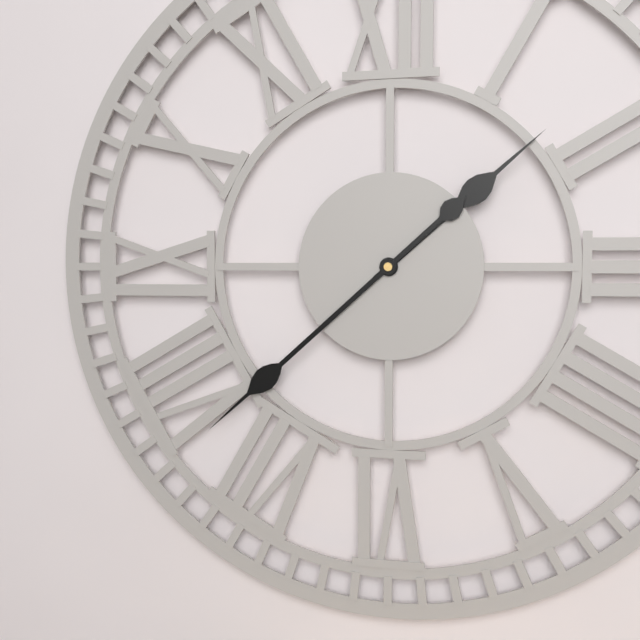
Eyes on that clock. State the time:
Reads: 1:38
